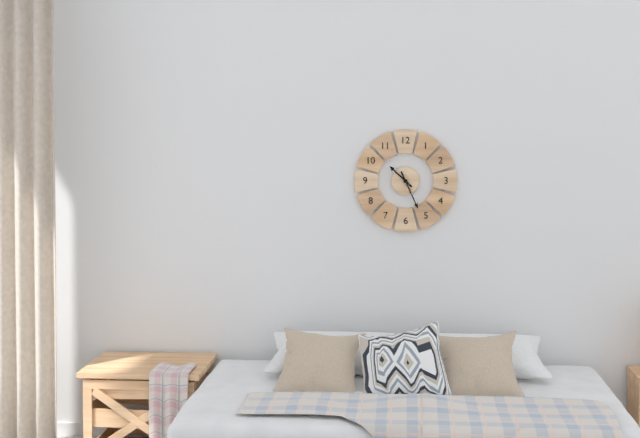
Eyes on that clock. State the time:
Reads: 10:26
